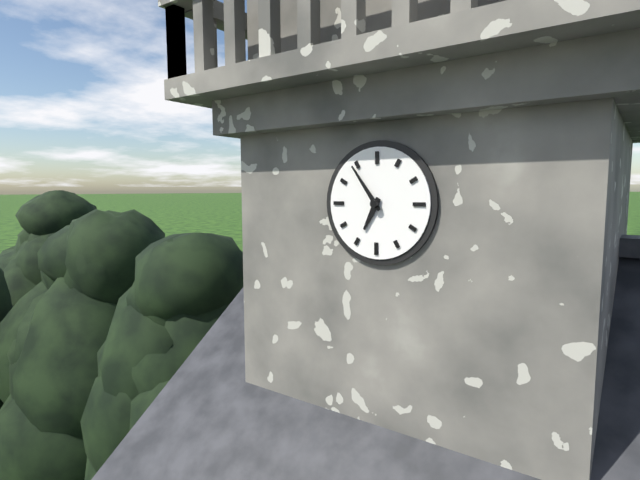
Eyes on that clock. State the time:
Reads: 6:54
